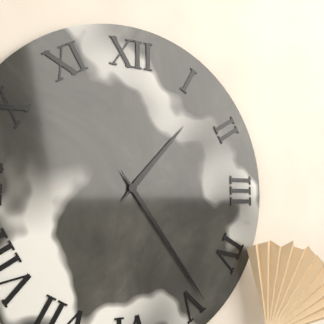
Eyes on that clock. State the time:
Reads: 1:24
